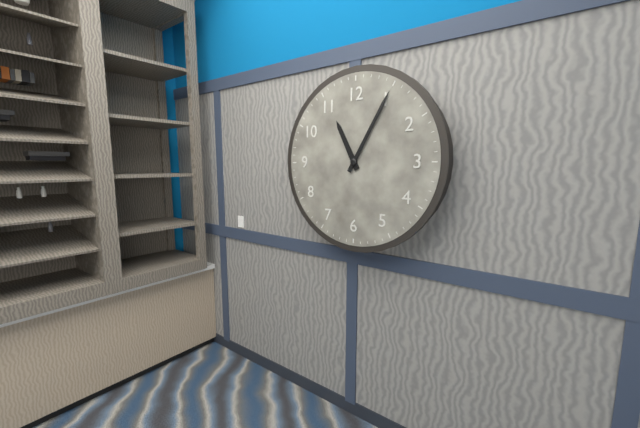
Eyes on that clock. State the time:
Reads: 11:05
